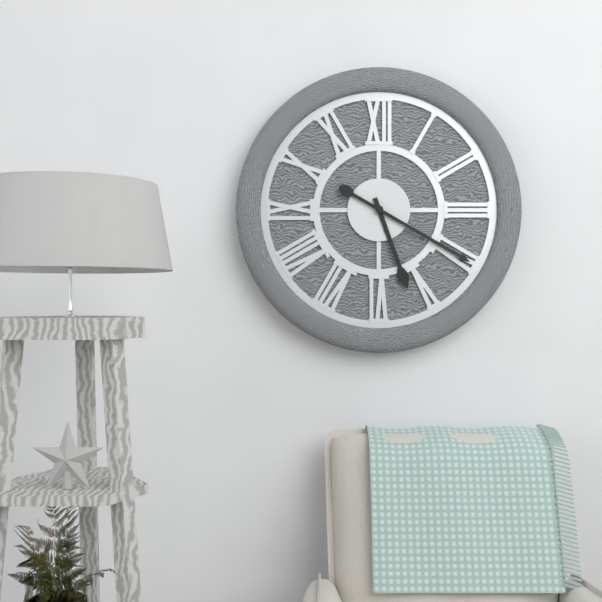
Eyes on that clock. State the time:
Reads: 5:20
